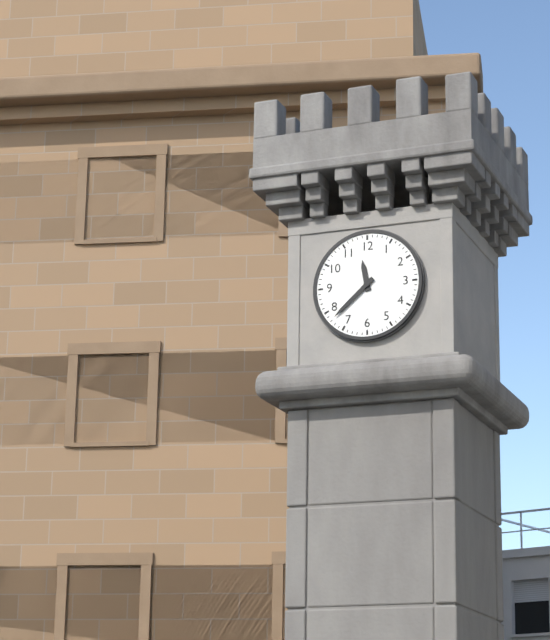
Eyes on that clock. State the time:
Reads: 11:38
